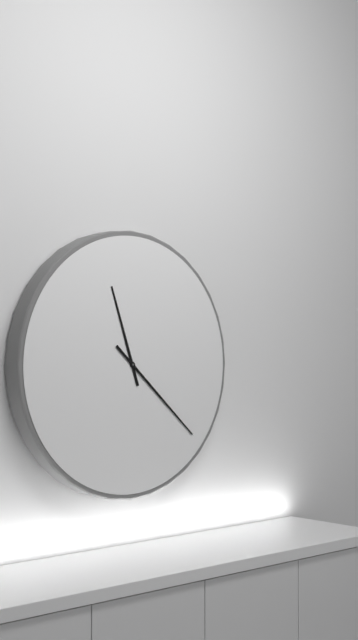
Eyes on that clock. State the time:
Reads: 11:22
